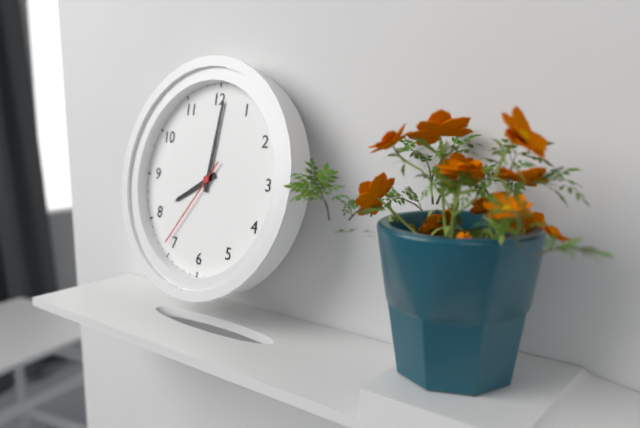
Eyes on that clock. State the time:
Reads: 8:01:36
